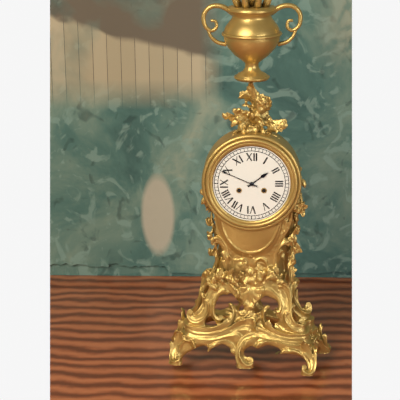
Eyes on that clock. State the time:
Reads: 1:49
